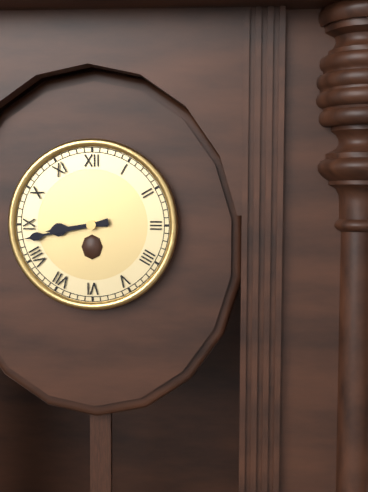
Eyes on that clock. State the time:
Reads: 8:43
